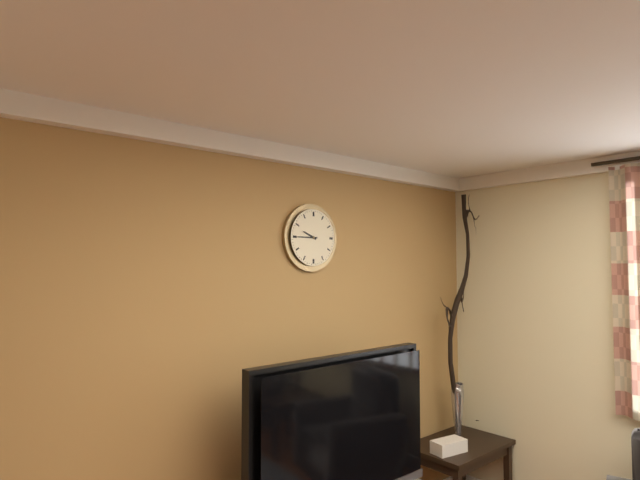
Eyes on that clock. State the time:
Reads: 9:45
